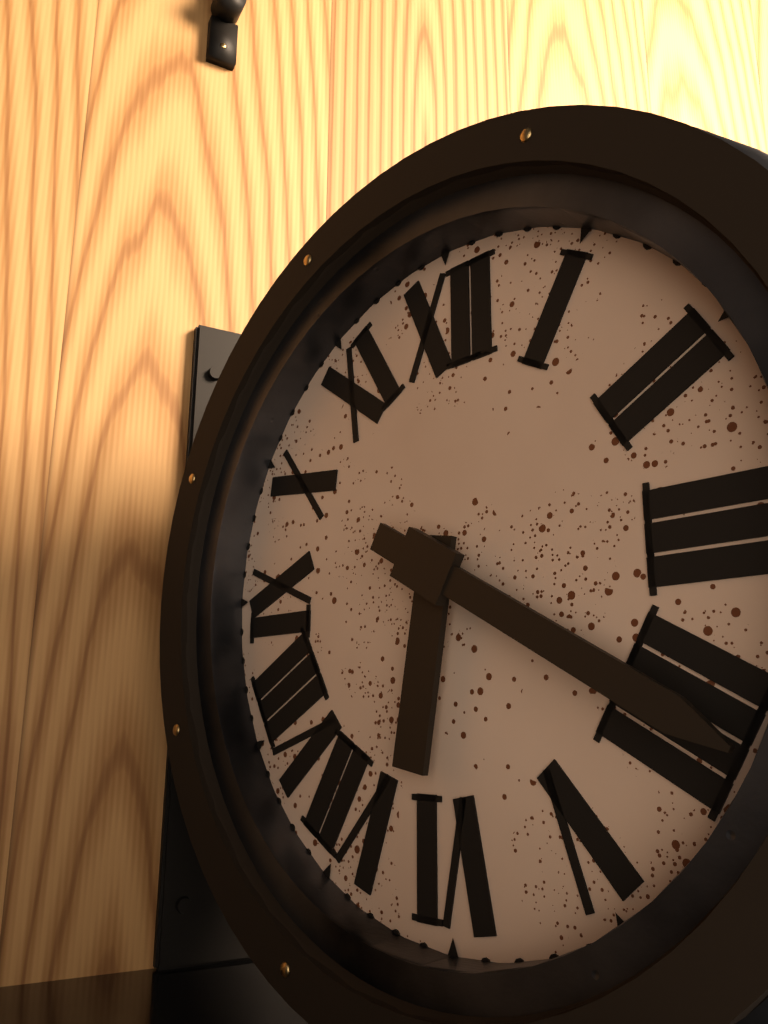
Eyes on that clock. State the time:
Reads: 6:20
